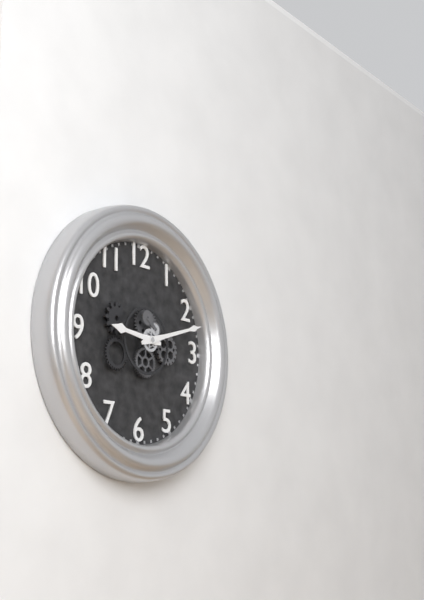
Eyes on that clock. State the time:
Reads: 9:12
